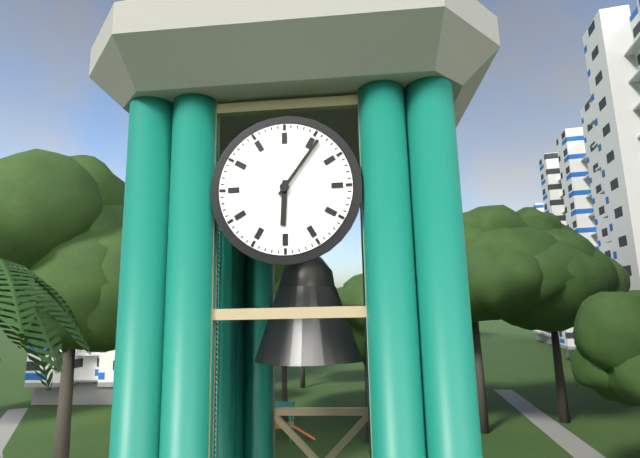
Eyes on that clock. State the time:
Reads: 6:06
